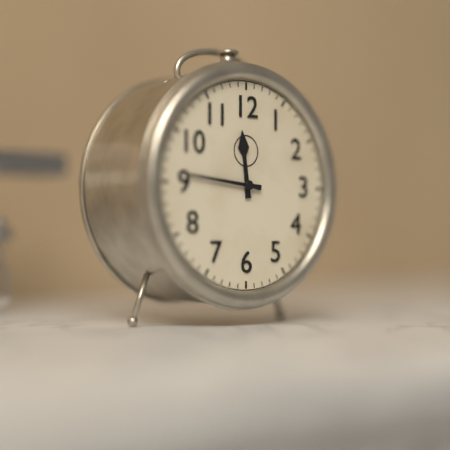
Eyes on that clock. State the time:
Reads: 11:46
